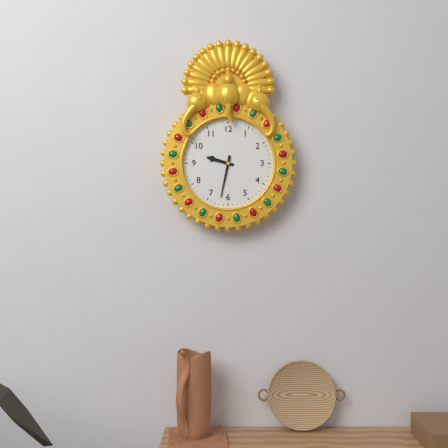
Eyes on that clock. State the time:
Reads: 9:32
